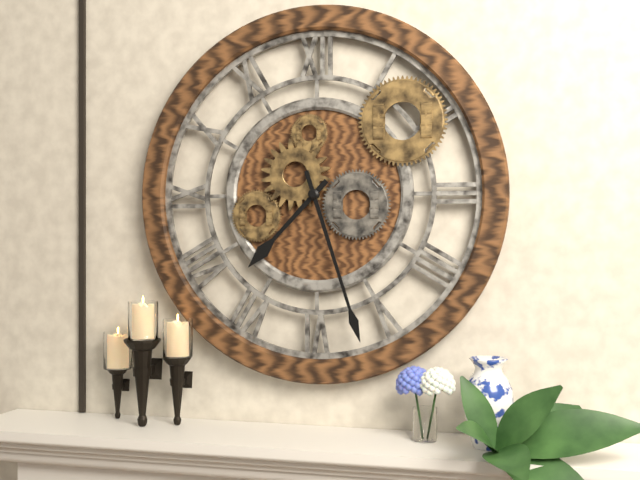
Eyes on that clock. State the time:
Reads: 7:27
